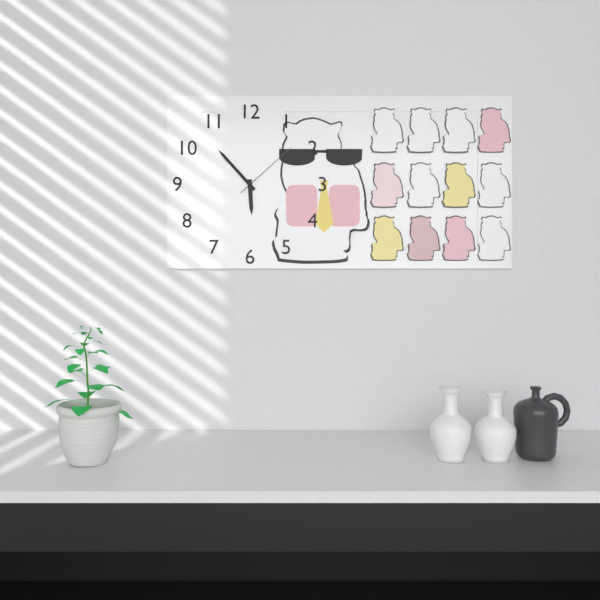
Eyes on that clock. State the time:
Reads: 5:53:08
